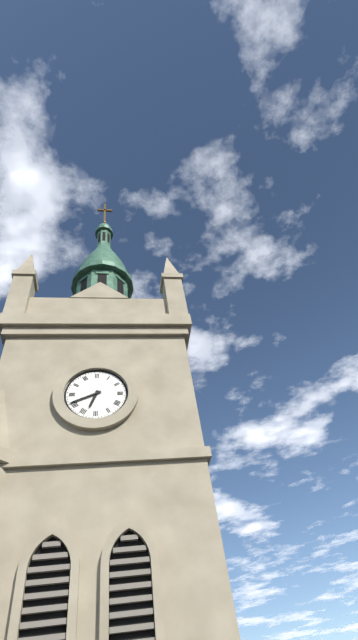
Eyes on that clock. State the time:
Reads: 6:41
